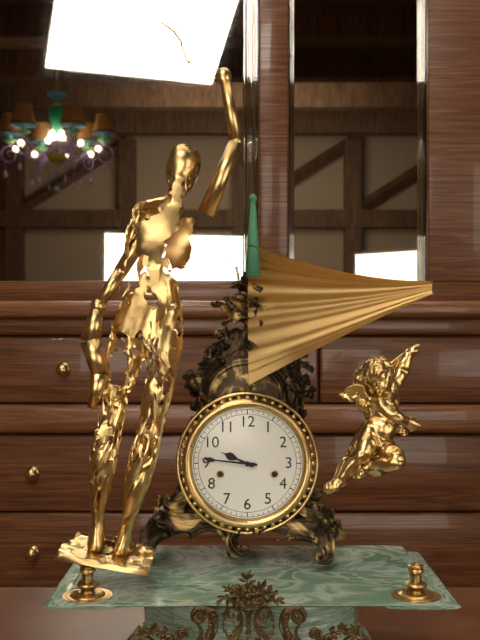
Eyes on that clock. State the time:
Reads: 9:46
